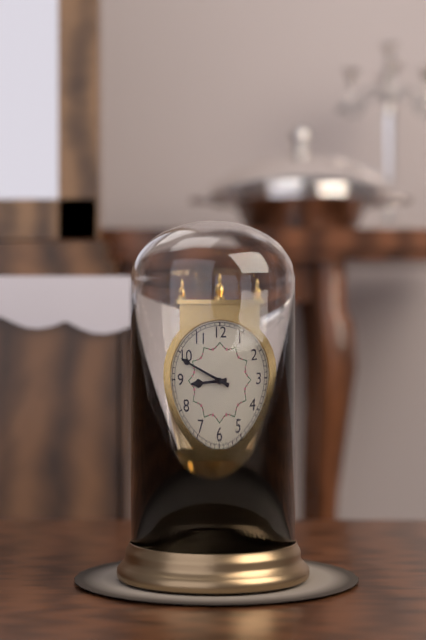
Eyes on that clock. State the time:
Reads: 8:49
